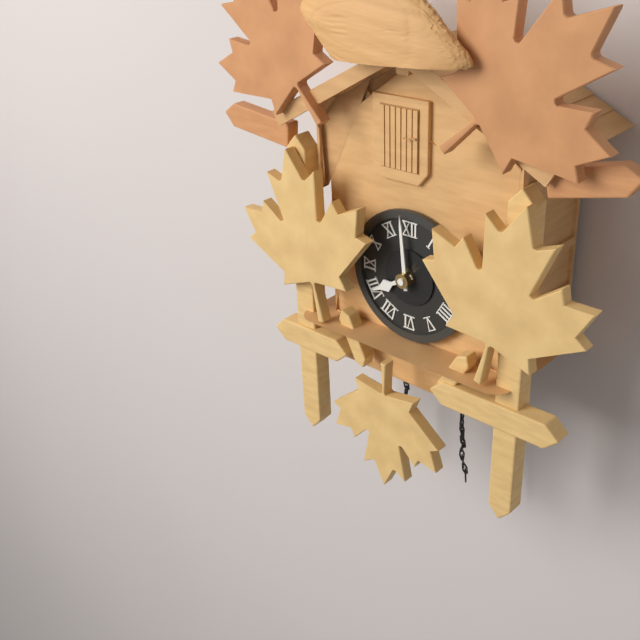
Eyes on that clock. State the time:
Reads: 7:59
